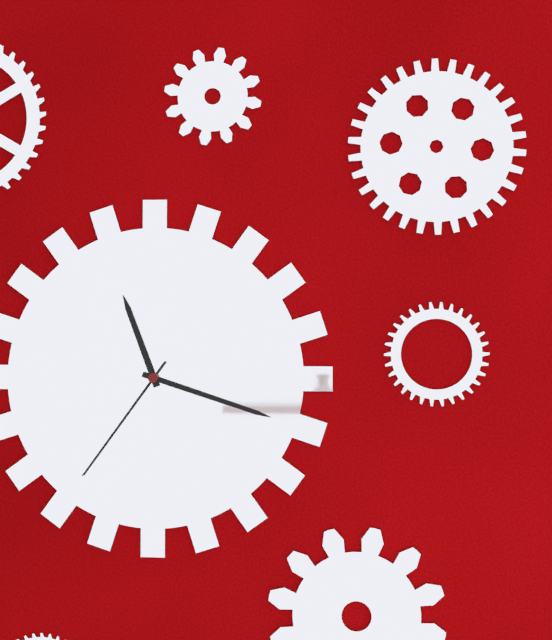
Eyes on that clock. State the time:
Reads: 11:18:36
